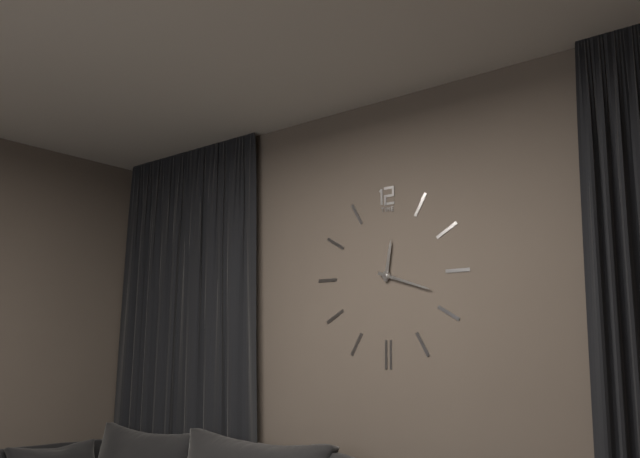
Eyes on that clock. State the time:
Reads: 12:18
